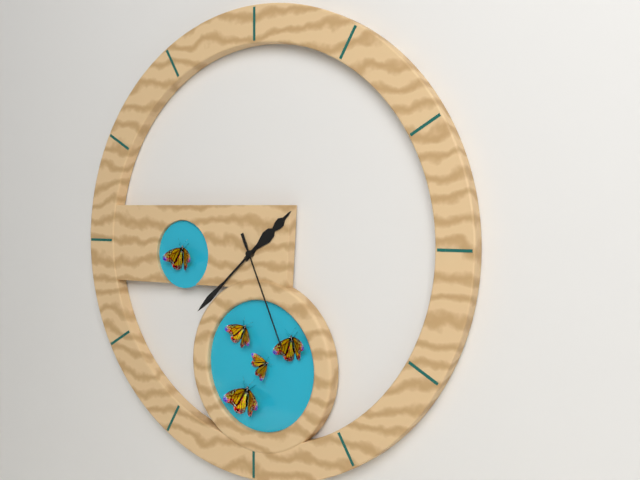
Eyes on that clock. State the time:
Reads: 1:38:26
